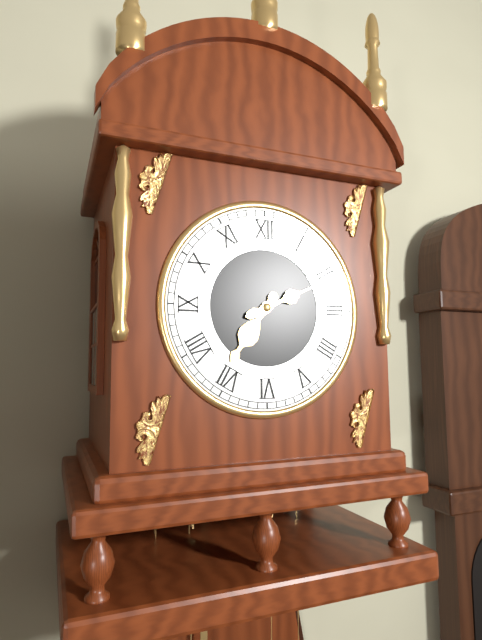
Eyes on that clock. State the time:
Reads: 7:11
